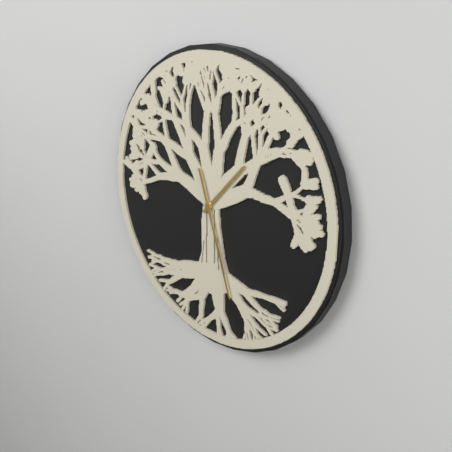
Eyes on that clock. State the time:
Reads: 1:27
